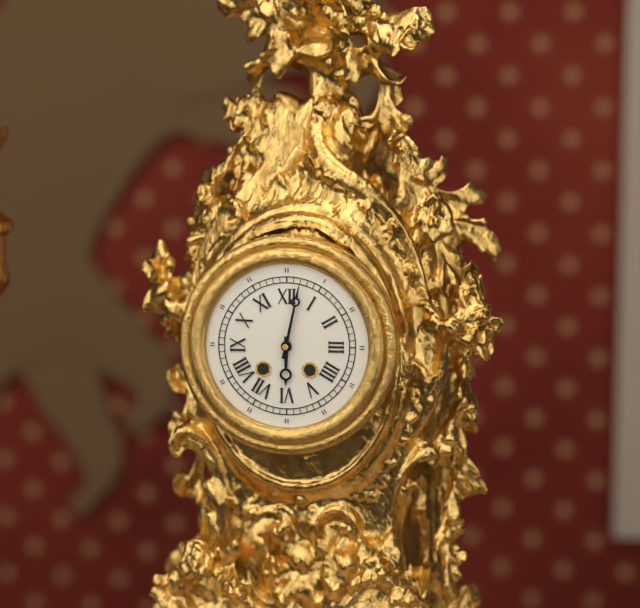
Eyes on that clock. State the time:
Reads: 6:02
